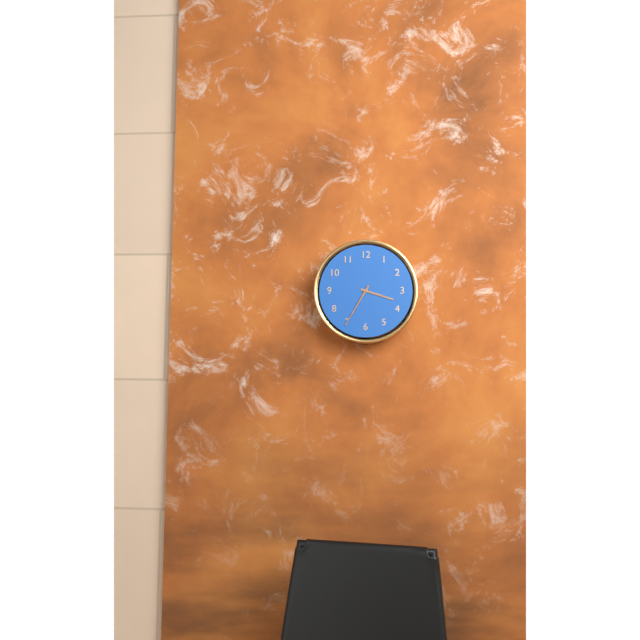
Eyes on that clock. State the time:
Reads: 3:35
